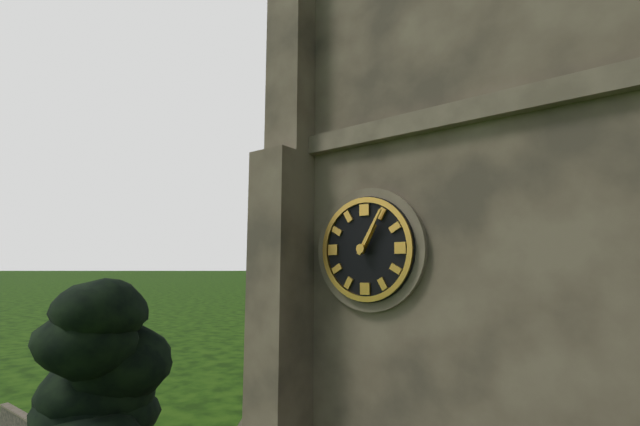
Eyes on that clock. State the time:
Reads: 1:05
